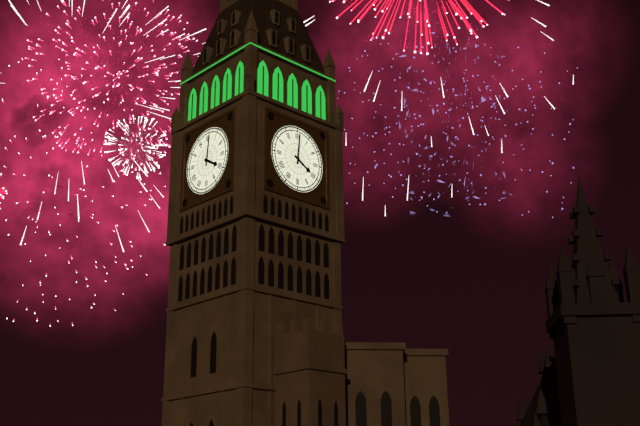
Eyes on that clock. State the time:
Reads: 4:01
